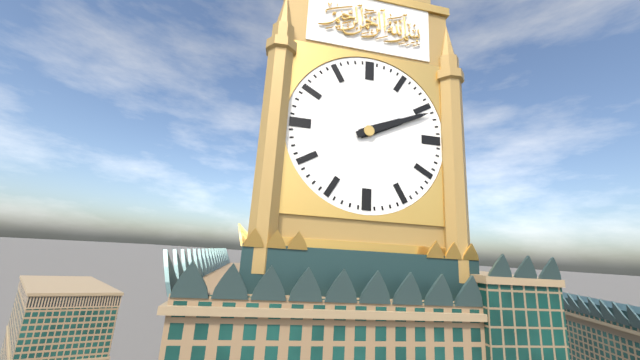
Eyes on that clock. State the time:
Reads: 2:11
